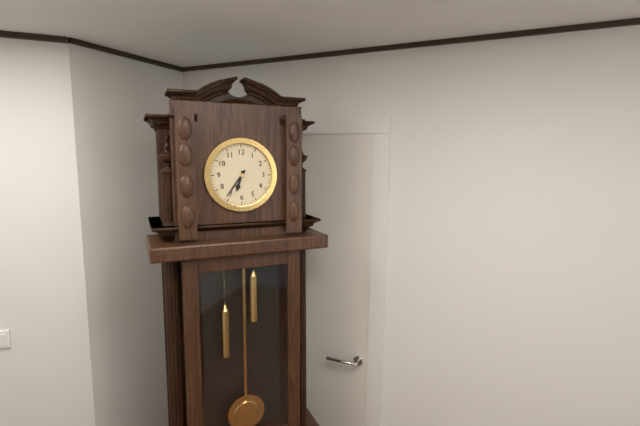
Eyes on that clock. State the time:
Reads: 6:36
